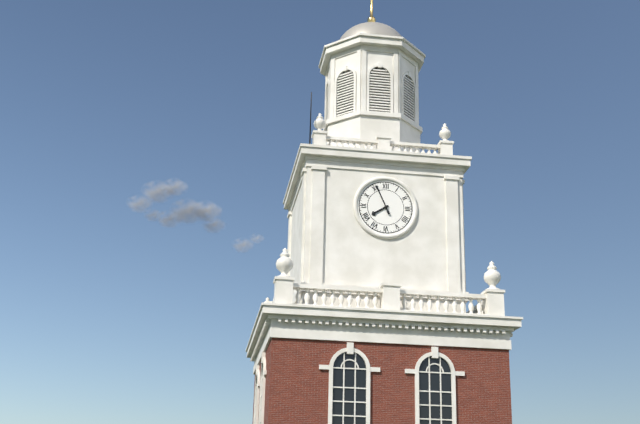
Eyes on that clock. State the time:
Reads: 7:56
